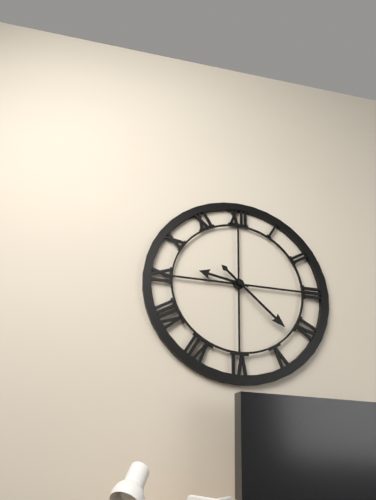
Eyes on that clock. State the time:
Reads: 9:22
